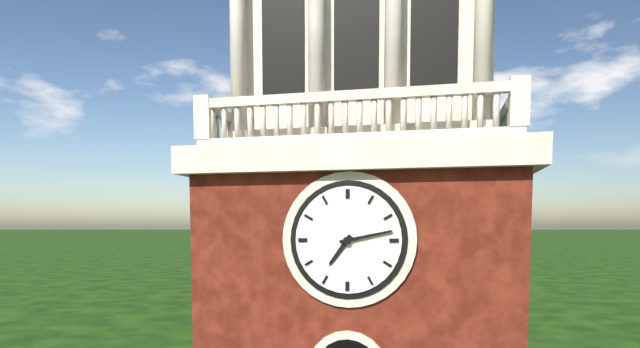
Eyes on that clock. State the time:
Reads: 7:13
